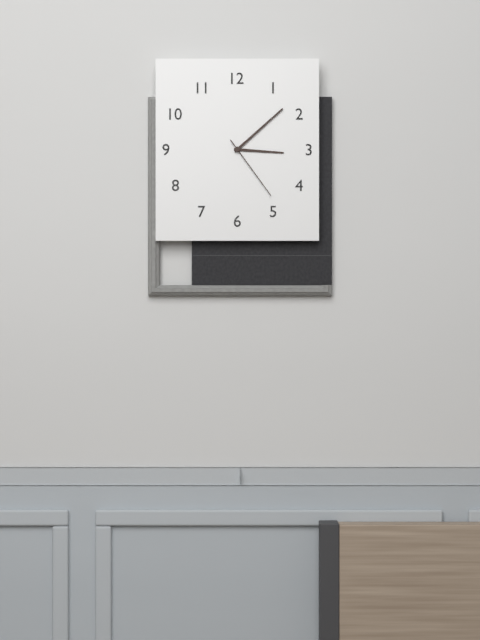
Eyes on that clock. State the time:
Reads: 3:08:24
